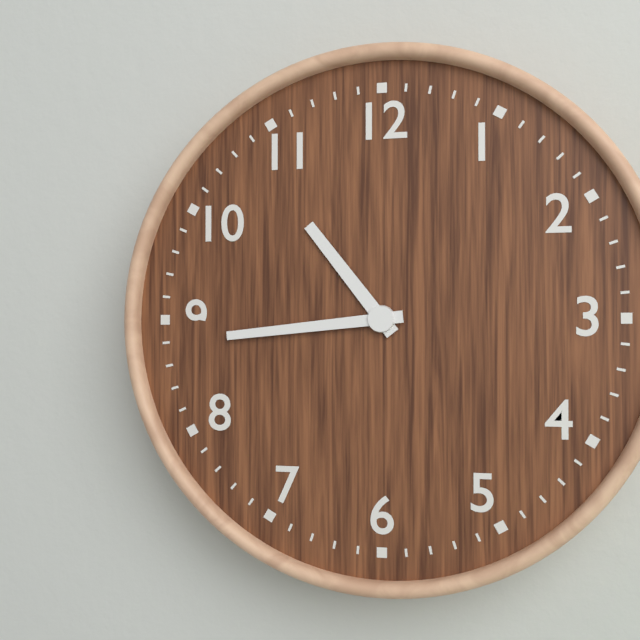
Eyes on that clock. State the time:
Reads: 10:44
